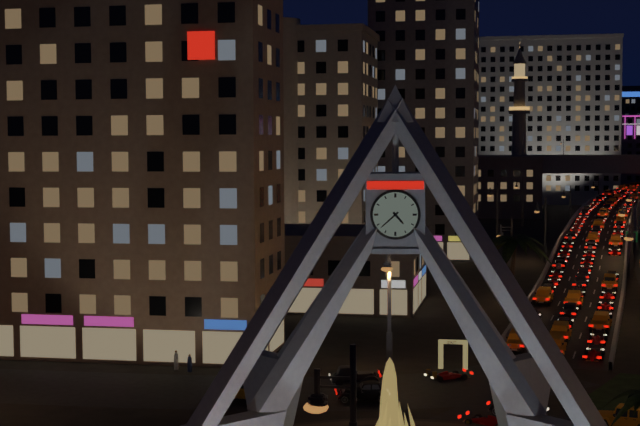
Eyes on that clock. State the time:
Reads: 4:38
